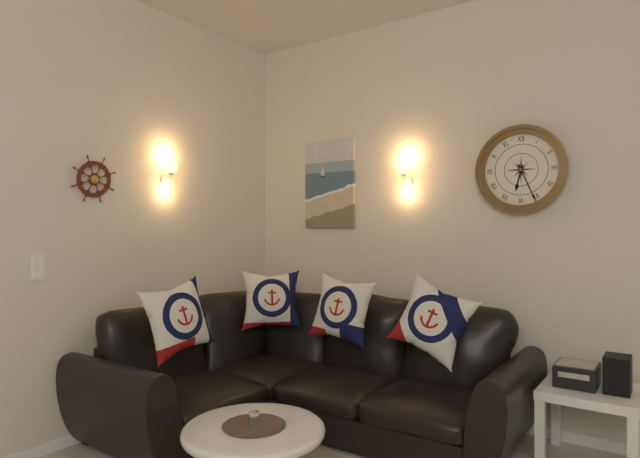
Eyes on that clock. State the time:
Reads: 6:26
